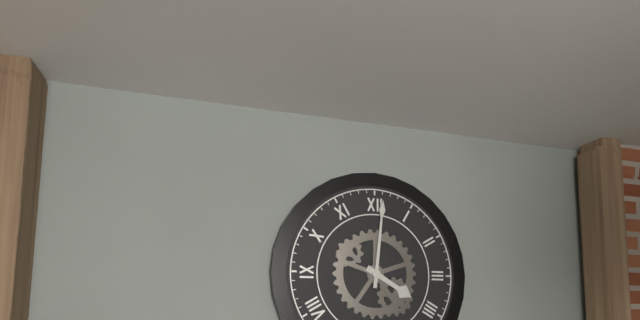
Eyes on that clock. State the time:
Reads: 4:01
